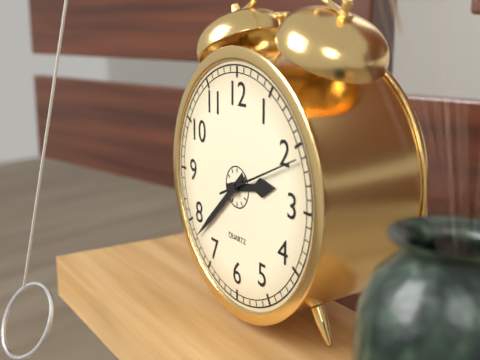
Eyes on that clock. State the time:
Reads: 2:38:11
